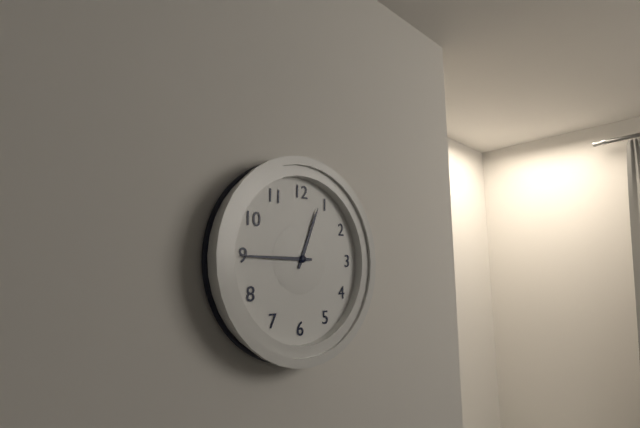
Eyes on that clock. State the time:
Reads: 12:45
